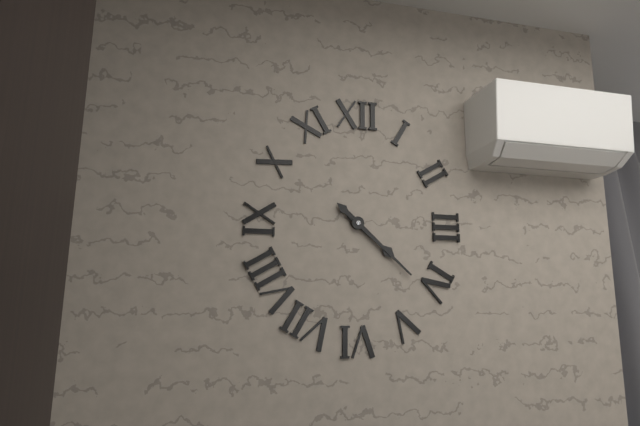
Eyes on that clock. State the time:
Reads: 4:22
